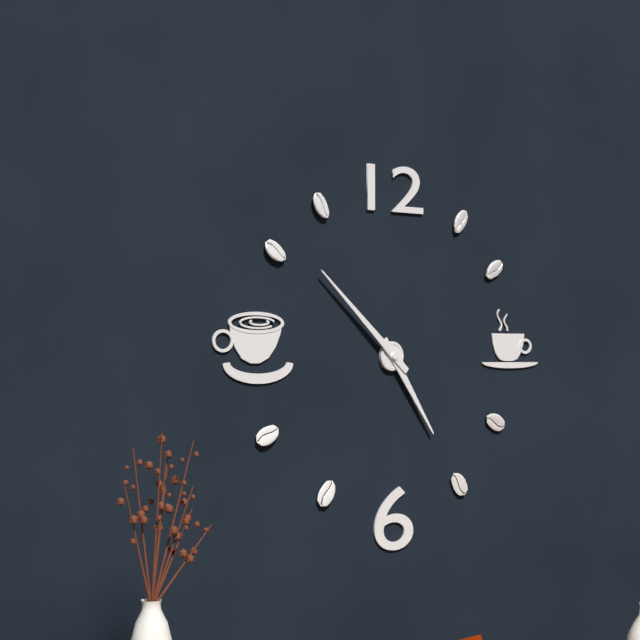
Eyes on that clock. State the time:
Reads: 4:52
